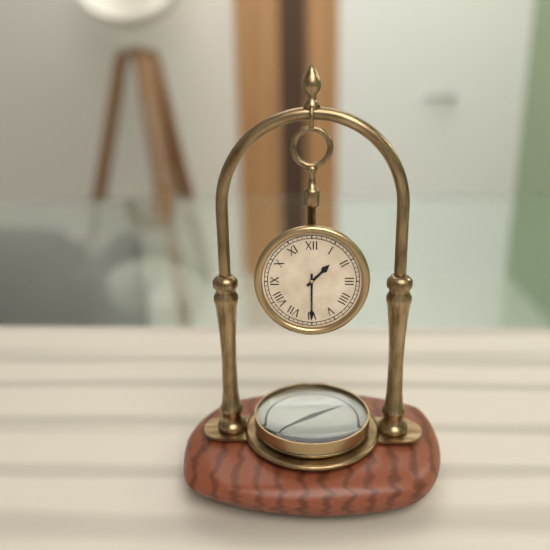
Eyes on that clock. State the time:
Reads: 1:30
